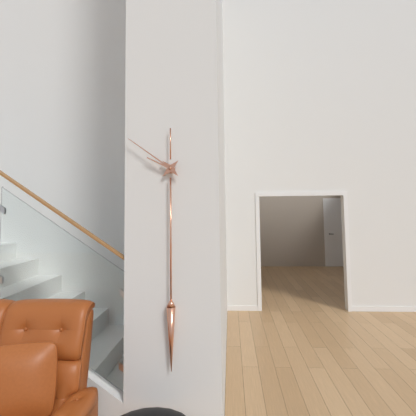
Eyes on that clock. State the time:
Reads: 9:51
